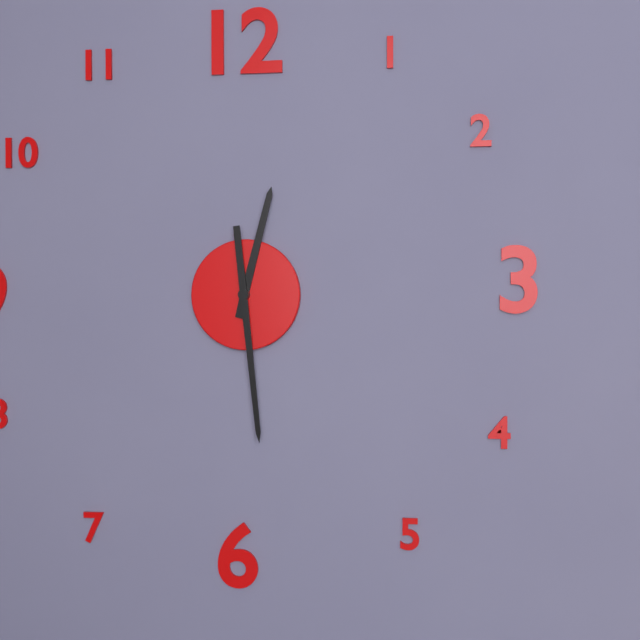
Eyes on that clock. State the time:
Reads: 12:29
